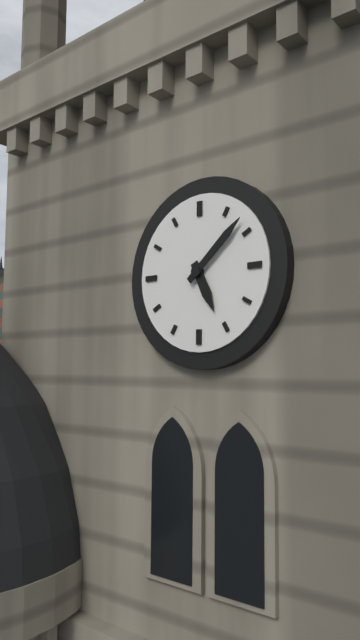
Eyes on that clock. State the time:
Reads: 5:08
